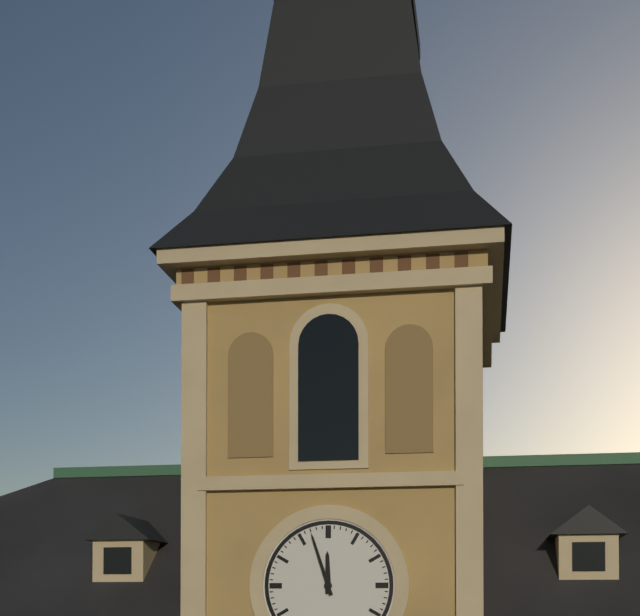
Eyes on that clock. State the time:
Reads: 11:57
